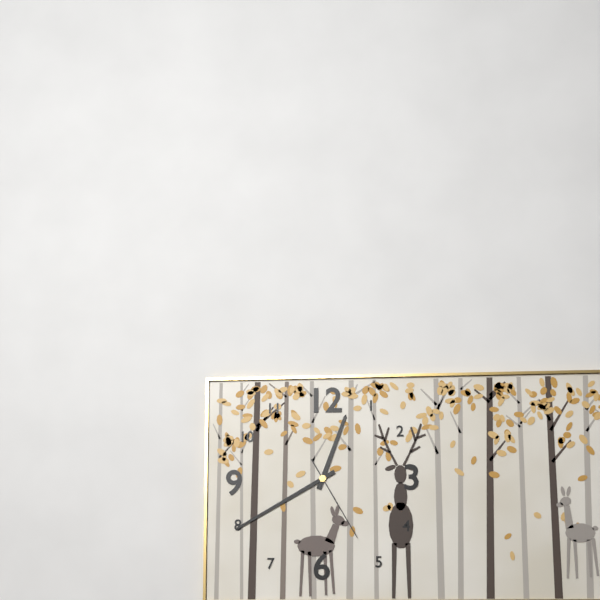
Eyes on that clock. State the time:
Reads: 12:40:25
